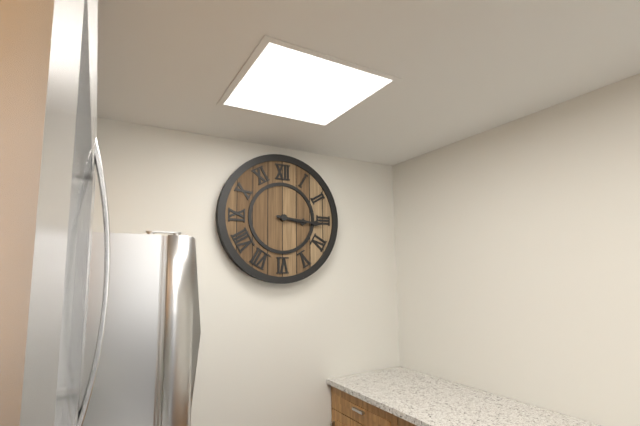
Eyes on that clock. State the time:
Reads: 3:16
